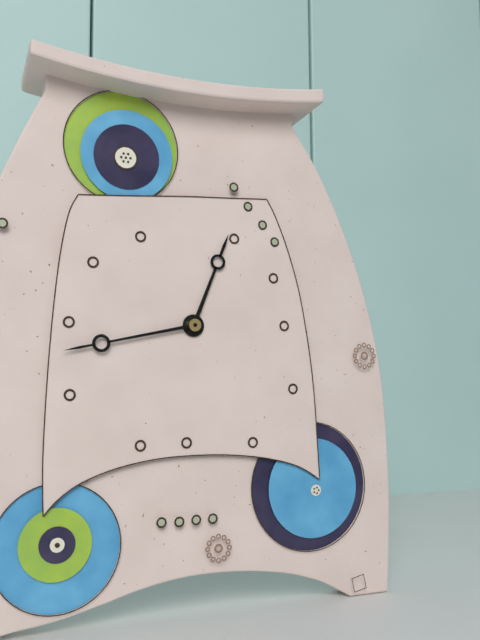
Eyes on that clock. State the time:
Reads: 12:43
